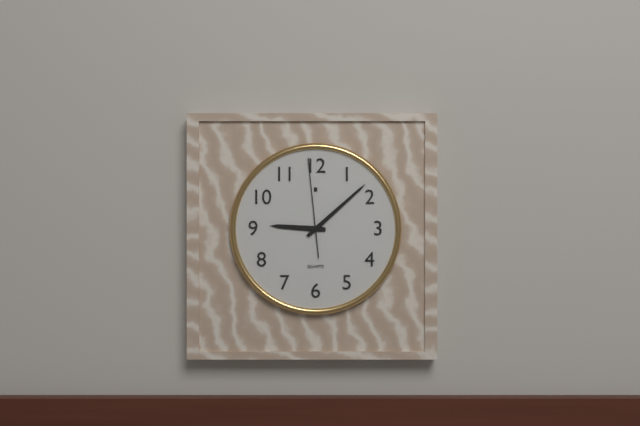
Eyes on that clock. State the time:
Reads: 9:08:59
